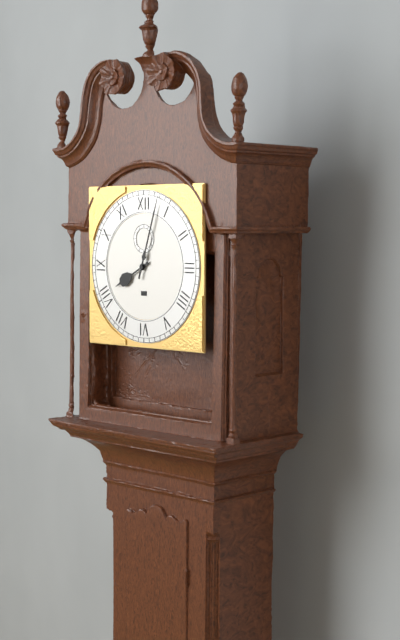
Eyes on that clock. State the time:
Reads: 8:03
